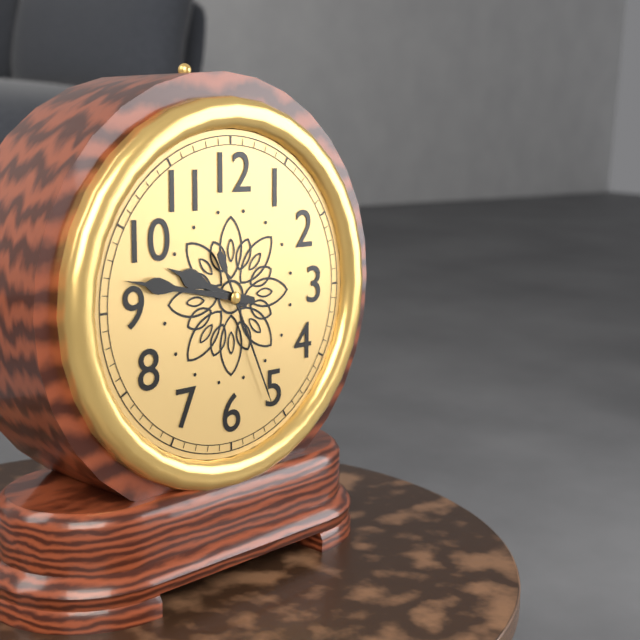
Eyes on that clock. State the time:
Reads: 9:47:26
